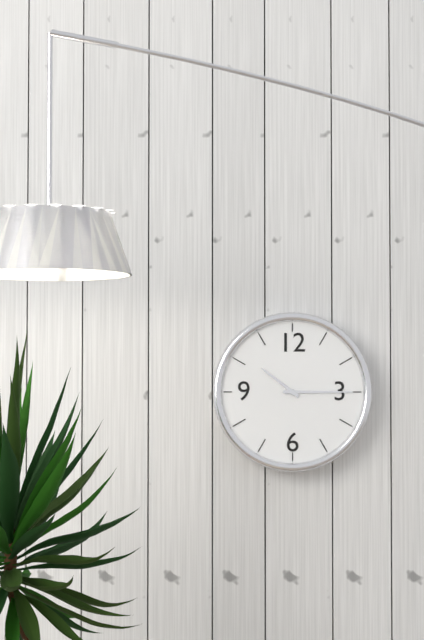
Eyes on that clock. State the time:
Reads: 10:15
